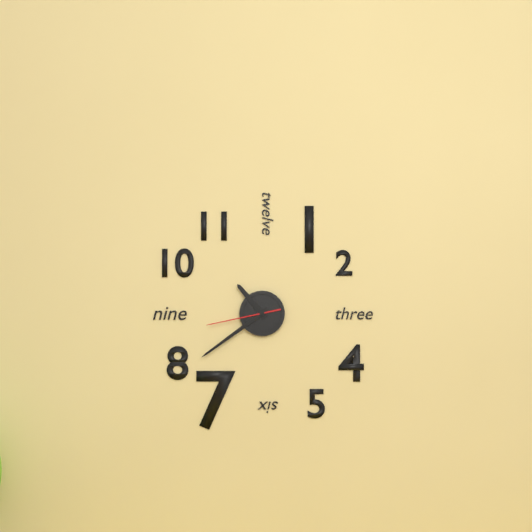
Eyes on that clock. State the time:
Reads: 10:39:43
